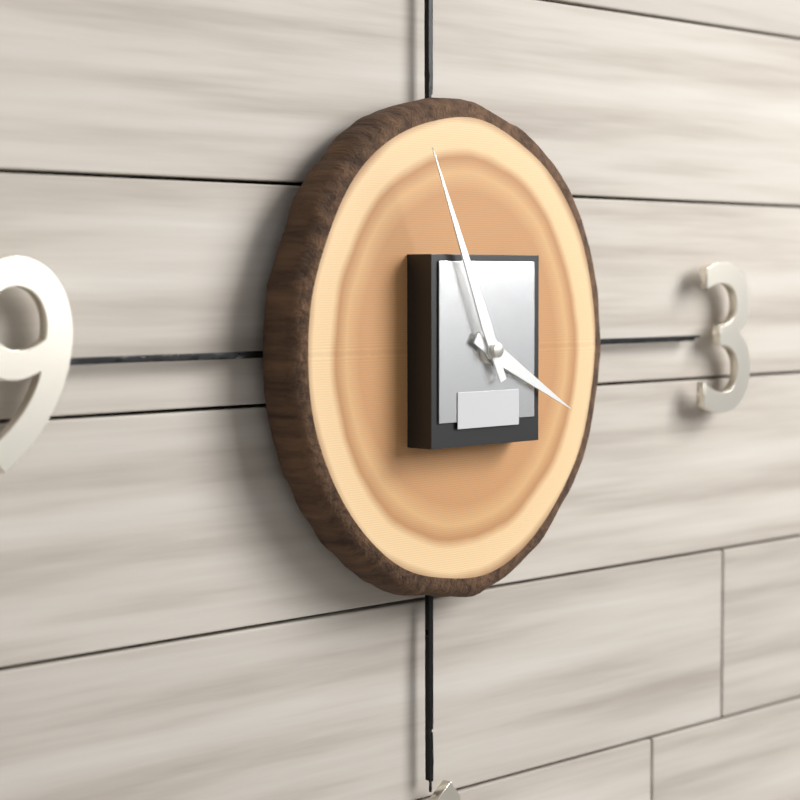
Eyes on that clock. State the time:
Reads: 3:56
